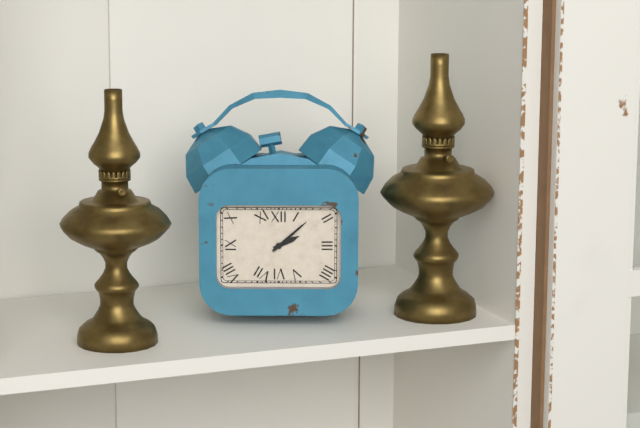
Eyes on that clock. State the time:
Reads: 2:08
